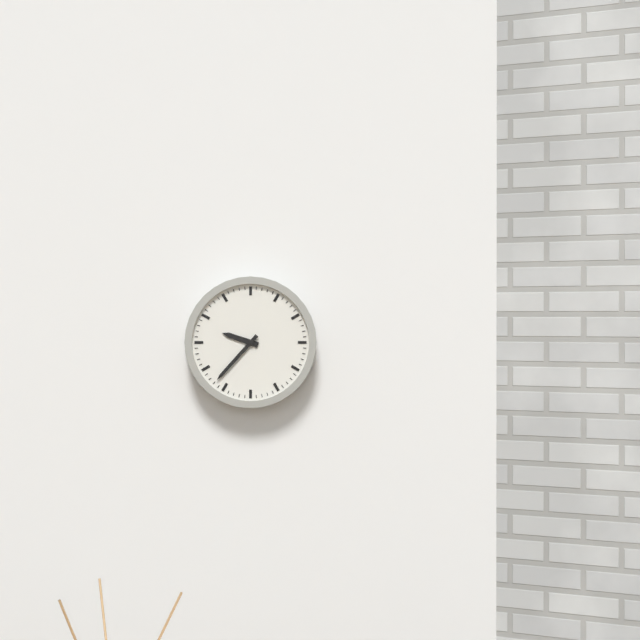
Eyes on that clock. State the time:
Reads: 9:37
